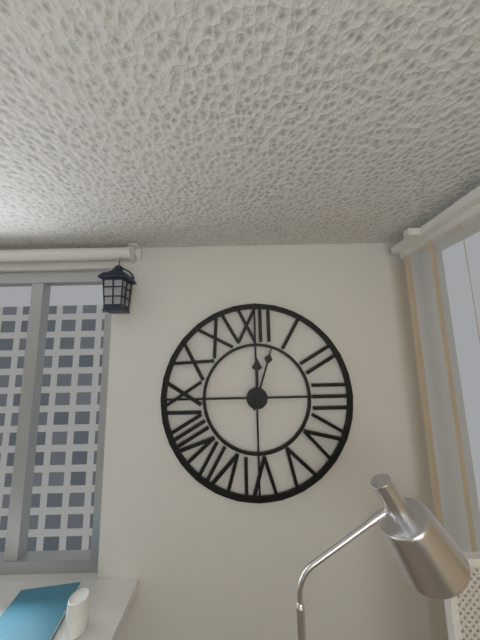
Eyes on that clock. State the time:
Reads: 12:03
